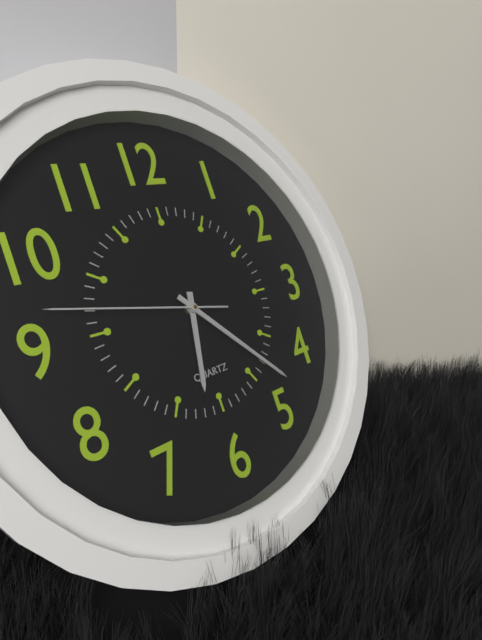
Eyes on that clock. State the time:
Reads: 6:23:47
